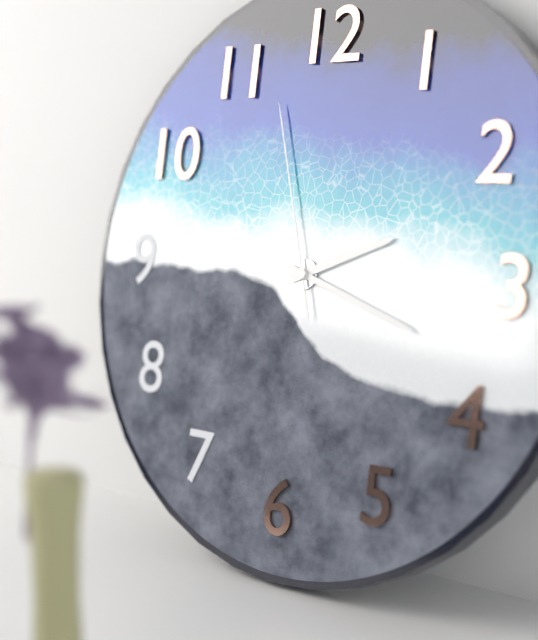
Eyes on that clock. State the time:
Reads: 2:18:57
